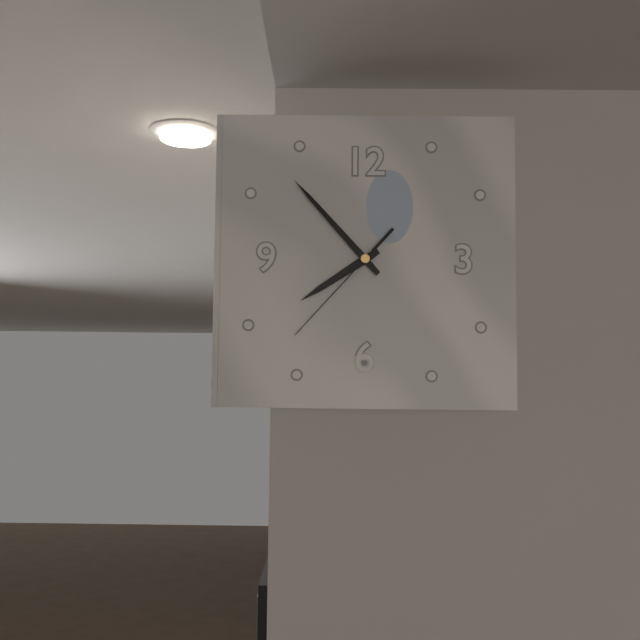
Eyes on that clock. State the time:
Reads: 7:53:37
